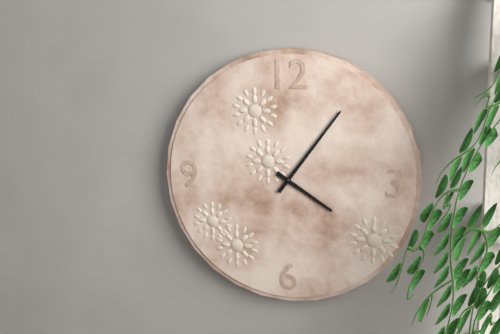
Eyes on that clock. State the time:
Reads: 4:06
